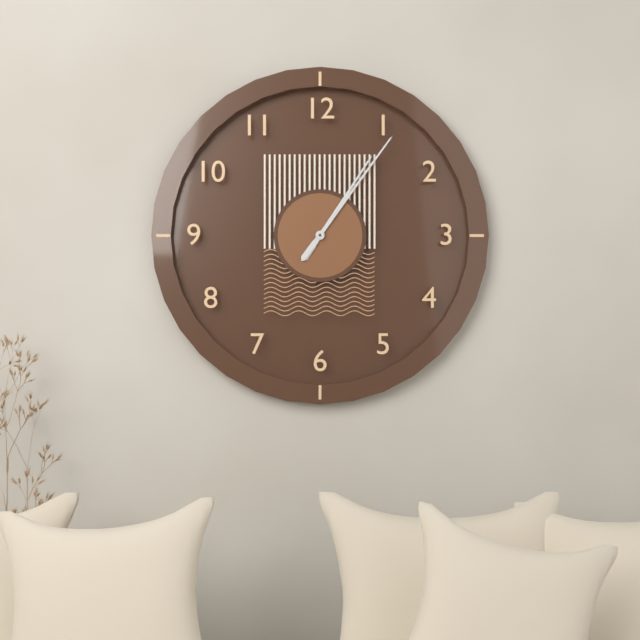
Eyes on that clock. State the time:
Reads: 1:06
